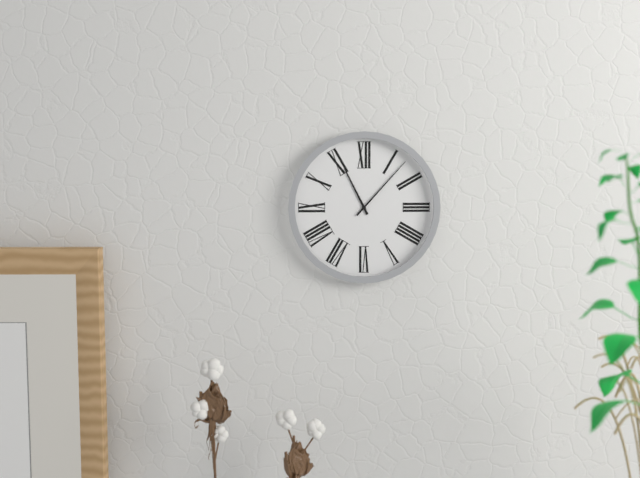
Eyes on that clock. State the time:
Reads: 11:07
